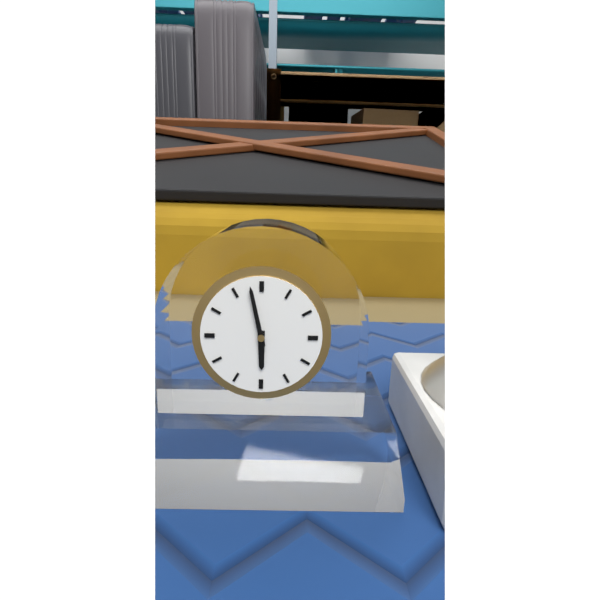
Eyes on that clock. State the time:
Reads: 5:58
